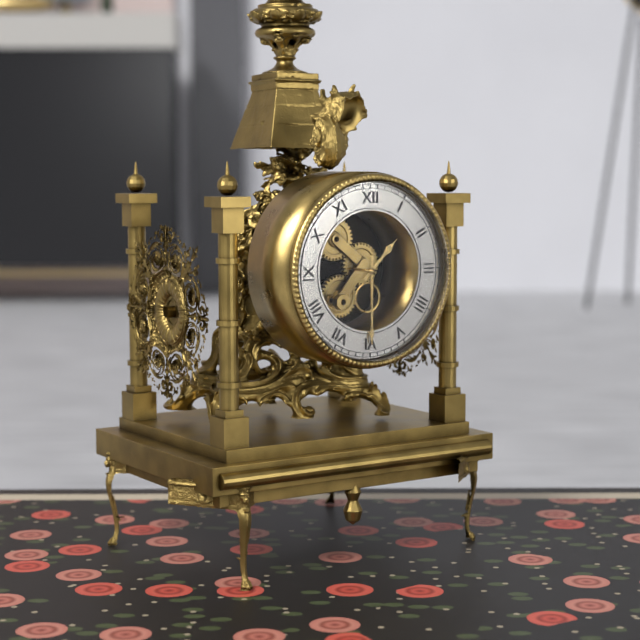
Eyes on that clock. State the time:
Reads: 1:30
